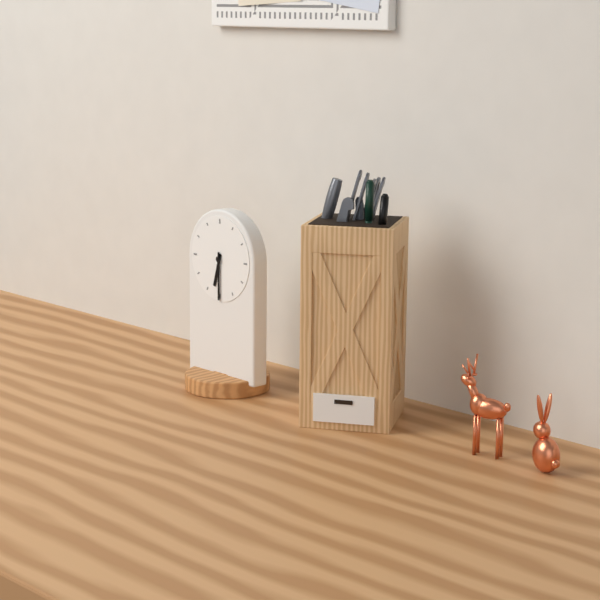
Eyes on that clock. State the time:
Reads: 6:30
